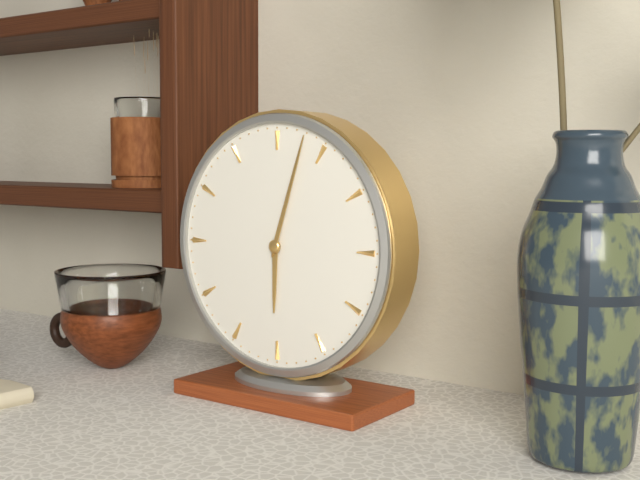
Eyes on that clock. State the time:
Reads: 6:03
